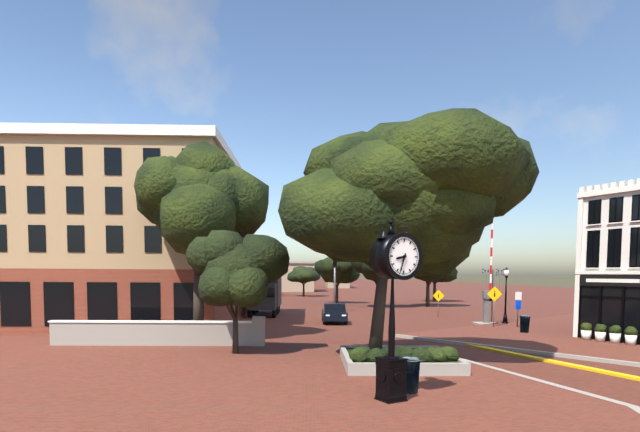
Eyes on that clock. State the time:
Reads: 8:33
